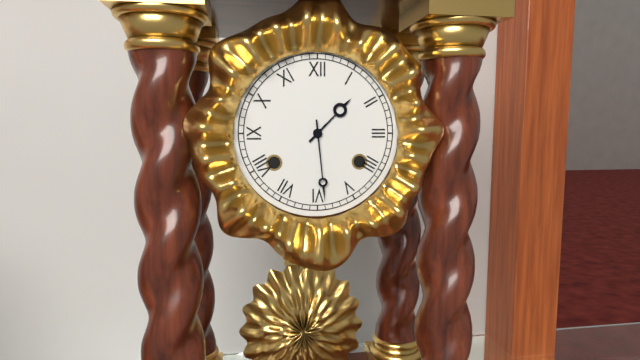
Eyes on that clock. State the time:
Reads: 1:29
